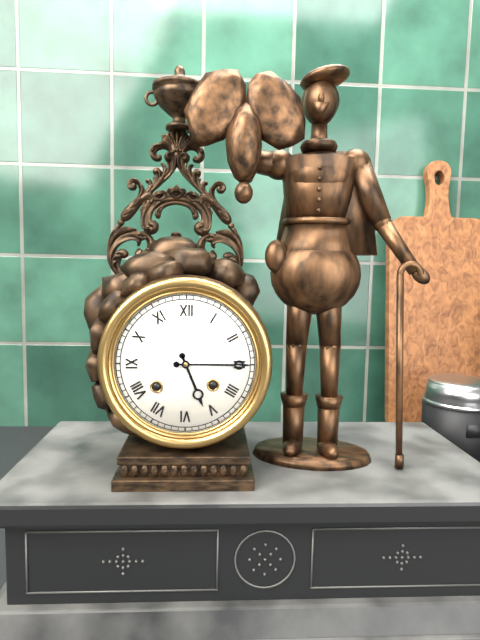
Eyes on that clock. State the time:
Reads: 5:15
